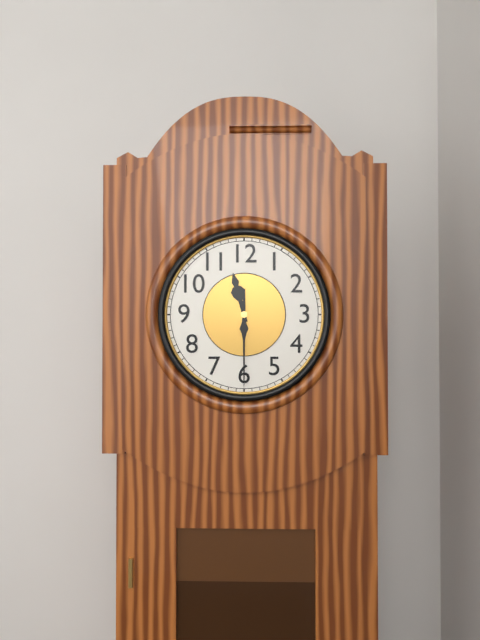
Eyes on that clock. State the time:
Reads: 11:30
